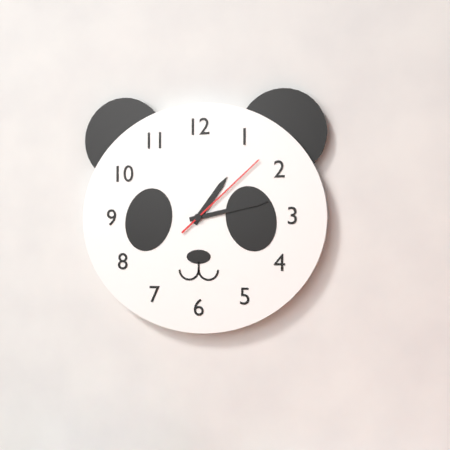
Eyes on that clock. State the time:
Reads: 1:13:08
